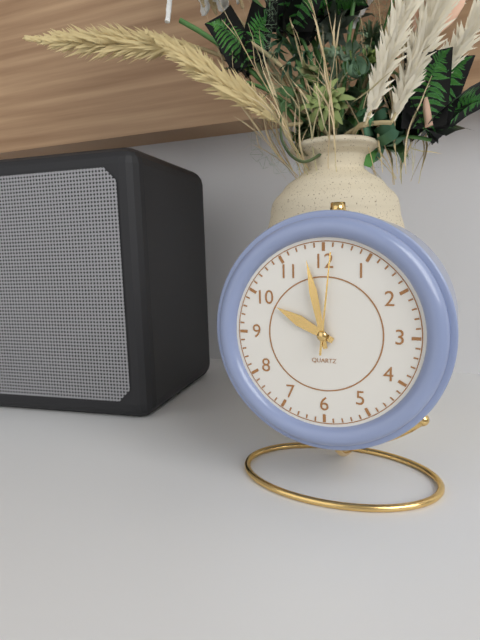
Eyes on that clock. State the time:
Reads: 9:58:01
